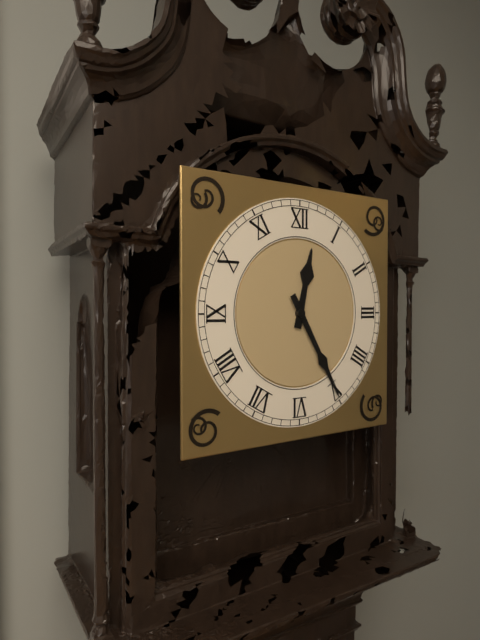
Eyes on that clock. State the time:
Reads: 12:25
